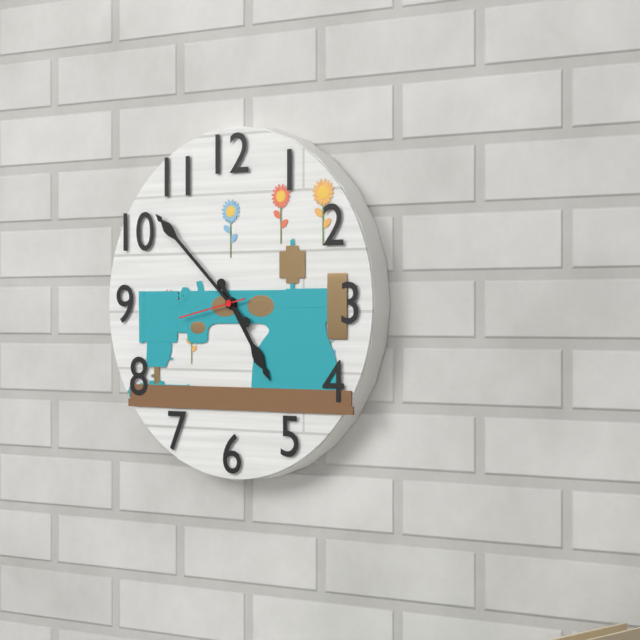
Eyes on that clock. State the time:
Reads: 4:52:43
